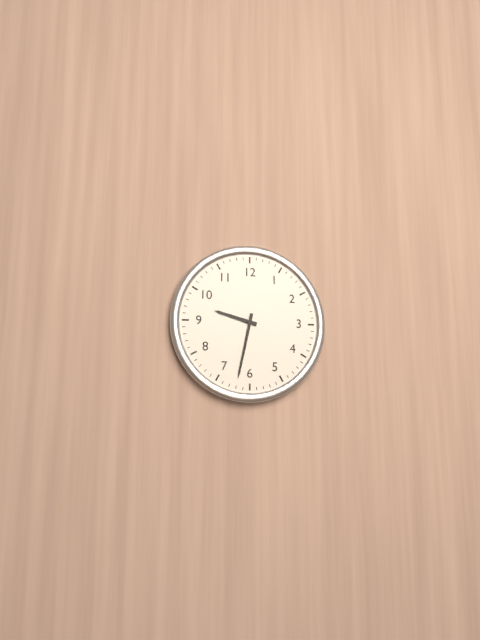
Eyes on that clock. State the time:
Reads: 9:32
